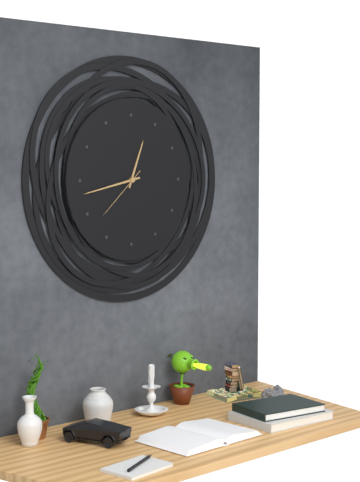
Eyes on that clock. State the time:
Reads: 12:43:38
